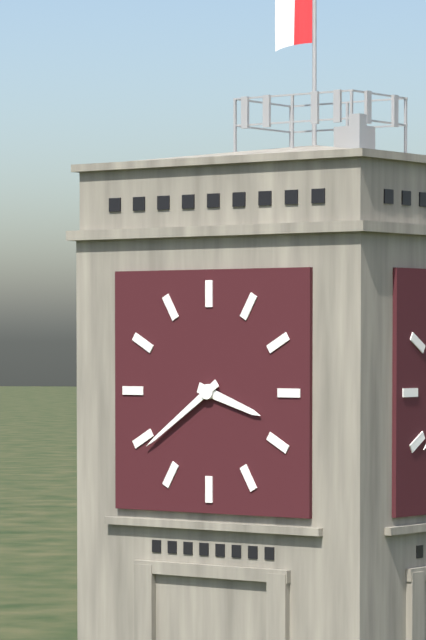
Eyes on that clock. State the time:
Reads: 3:39
